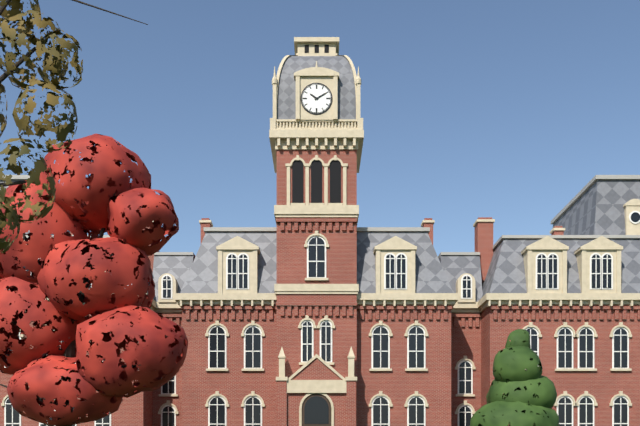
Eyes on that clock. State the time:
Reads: 10:10
